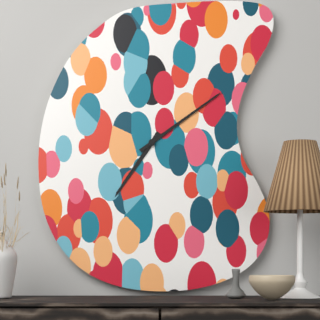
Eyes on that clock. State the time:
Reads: 7:09
